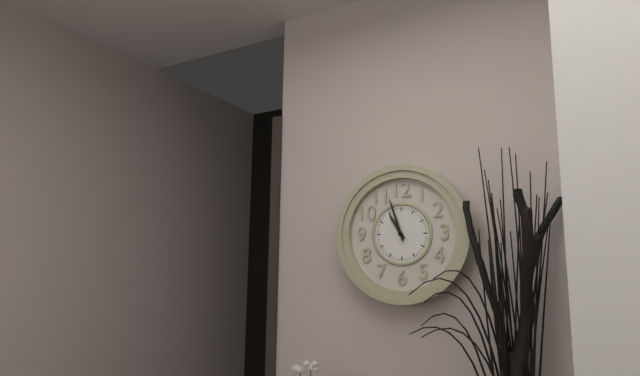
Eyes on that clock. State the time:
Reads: 10:57
